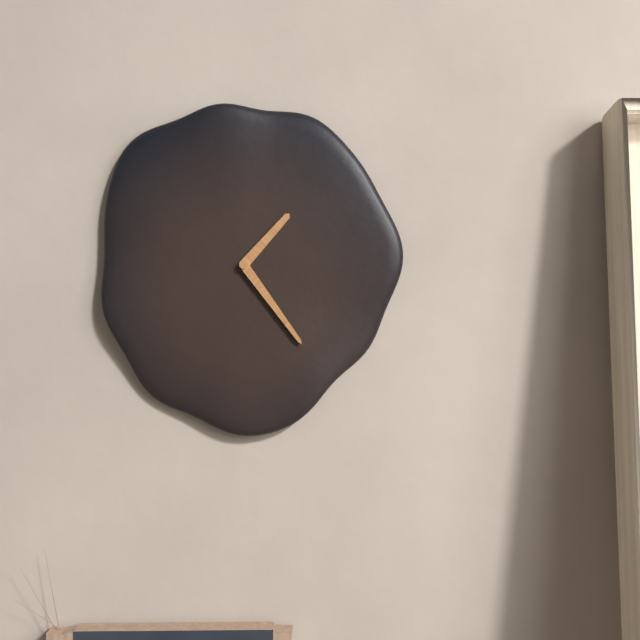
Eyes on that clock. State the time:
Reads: 1:24
